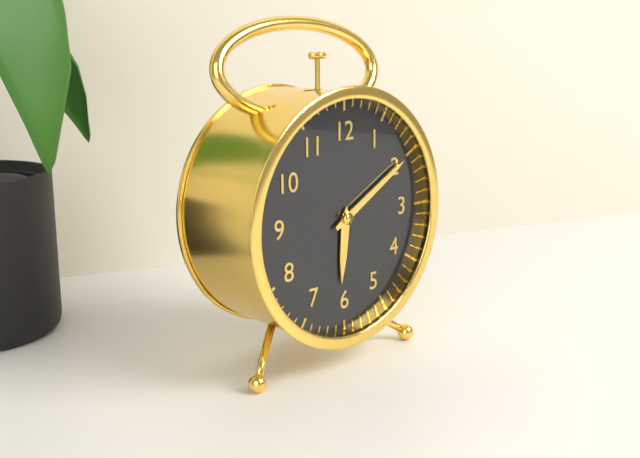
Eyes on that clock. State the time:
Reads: 6:10
